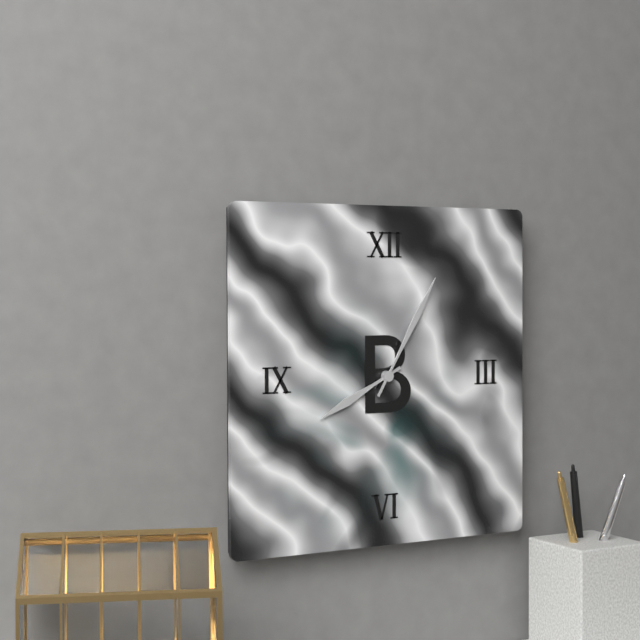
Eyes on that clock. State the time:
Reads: 8:05
